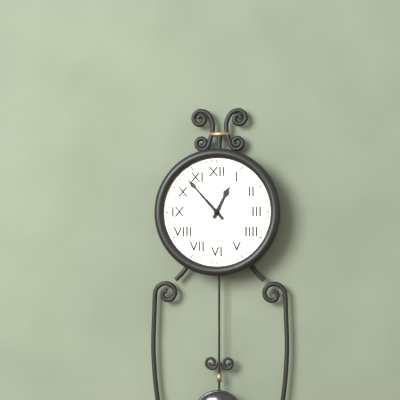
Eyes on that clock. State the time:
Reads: 12:53
